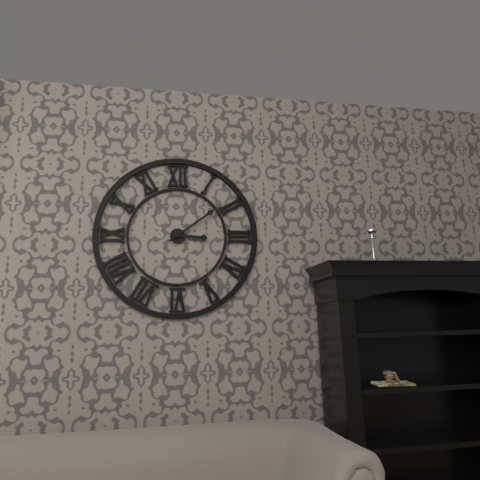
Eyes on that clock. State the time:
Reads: 3:09
